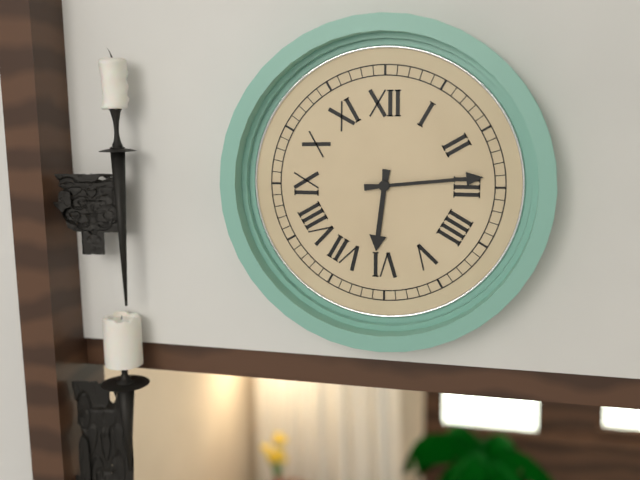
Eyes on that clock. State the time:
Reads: 6:14
